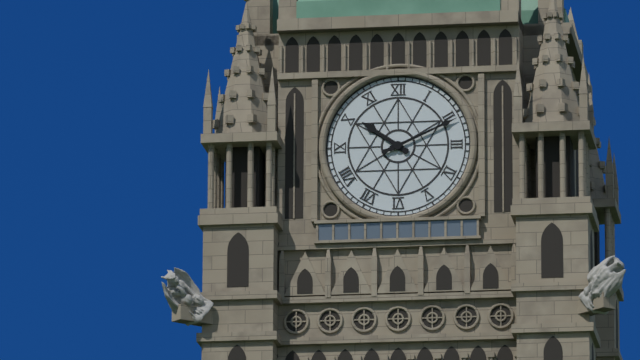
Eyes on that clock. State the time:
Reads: 10:11
